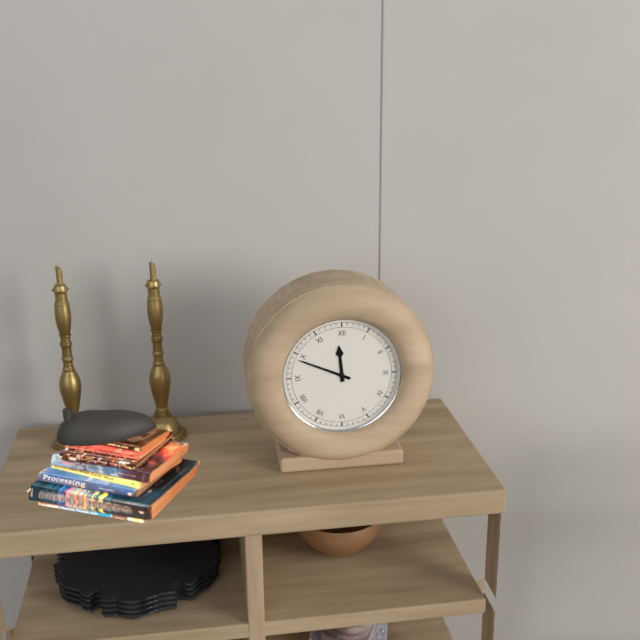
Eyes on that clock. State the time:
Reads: 11:49
